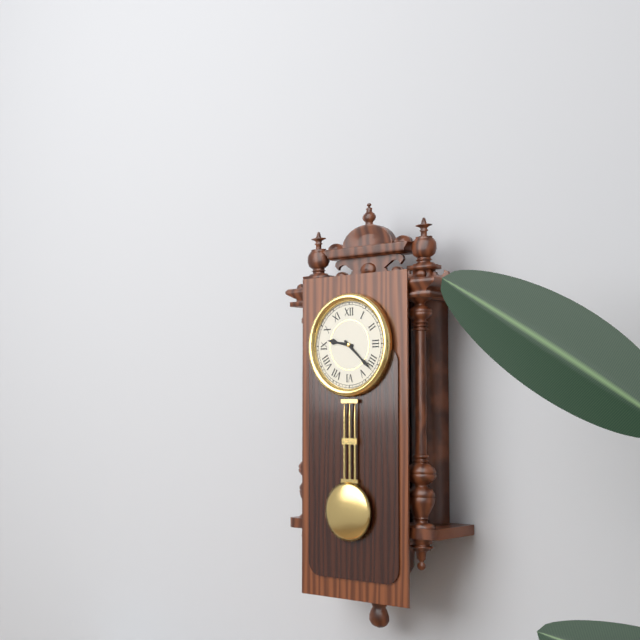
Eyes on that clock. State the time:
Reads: 9:22
